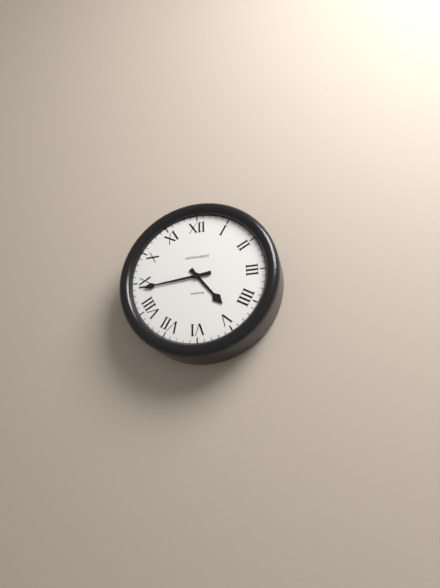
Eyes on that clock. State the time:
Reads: 4:44
